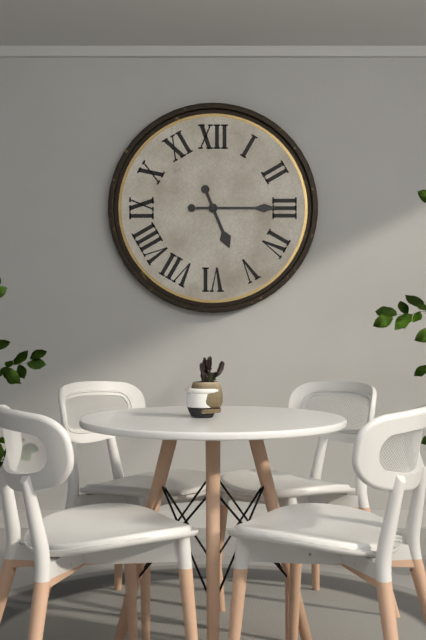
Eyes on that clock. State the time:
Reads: 5:15
